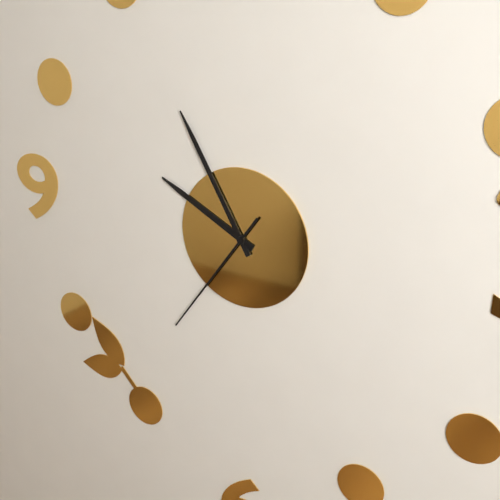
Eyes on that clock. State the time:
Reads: 9:55:36
